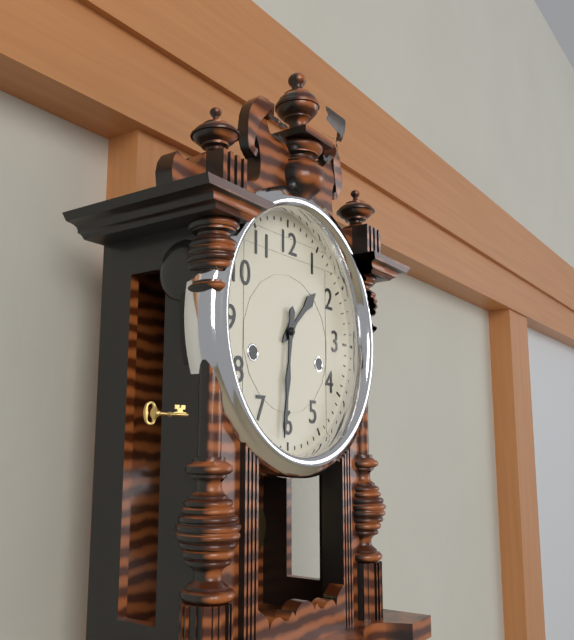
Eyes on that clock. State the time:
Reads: 1:31
